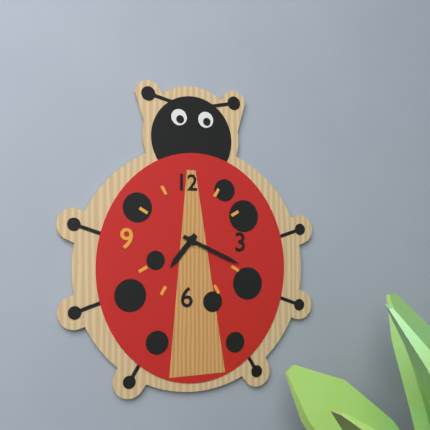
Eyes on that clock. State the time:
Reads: 7:19
